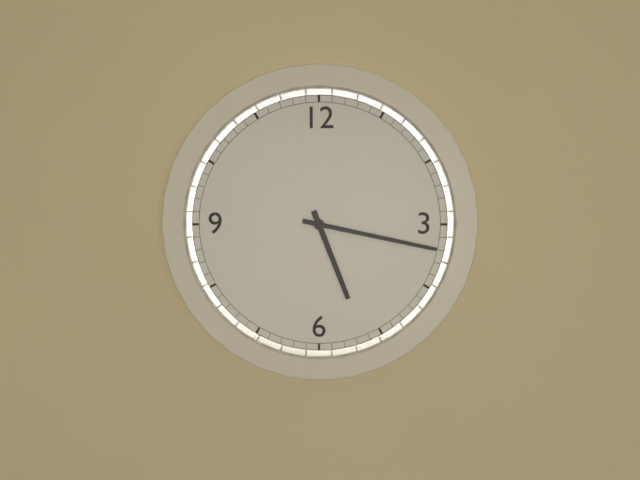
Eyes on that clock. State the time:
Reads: 5:17
